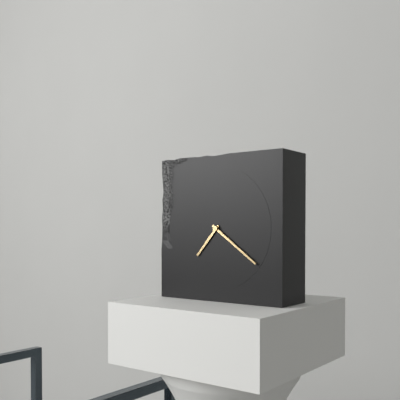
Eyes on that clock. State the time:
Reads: 7:21
